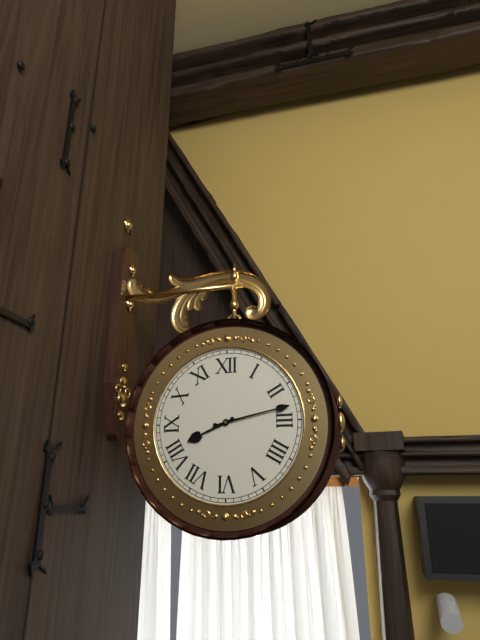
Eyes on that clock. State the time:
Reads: 8:13
